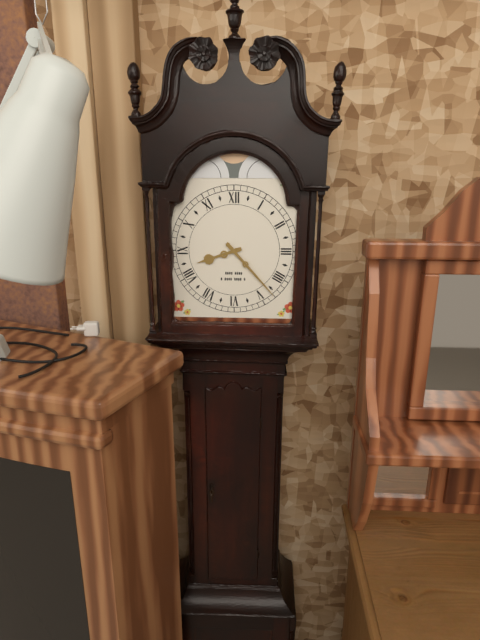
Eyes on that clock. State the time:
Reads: 8:23
